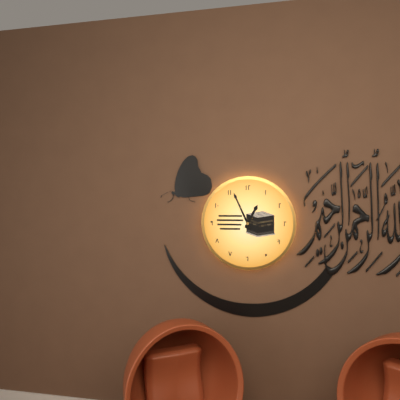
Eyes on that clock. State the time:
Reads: 12:56
